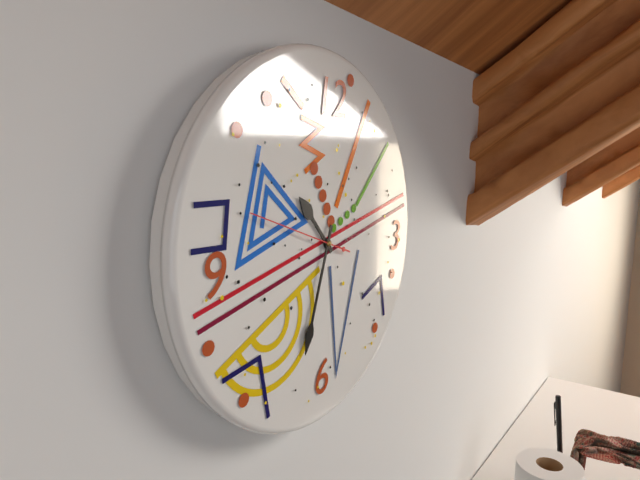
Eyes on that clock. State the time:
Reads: 10:33:48
